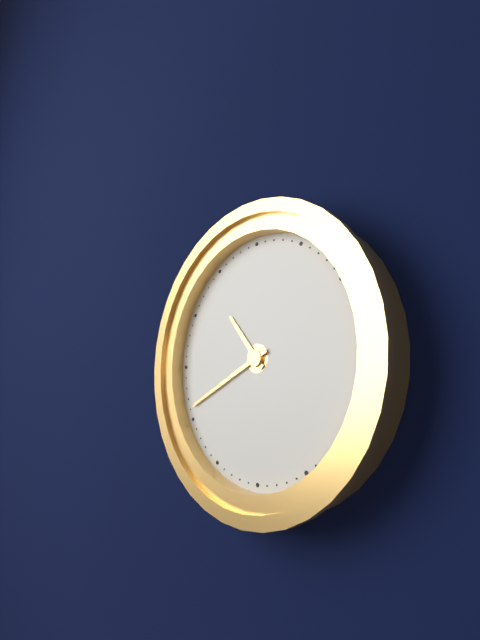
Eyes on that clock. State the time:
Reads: 10:41
